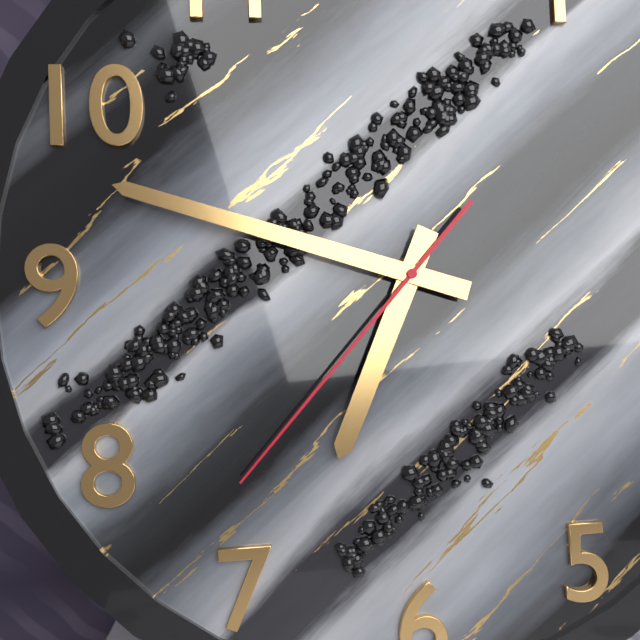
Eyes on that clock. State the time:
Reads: 6:48:37
